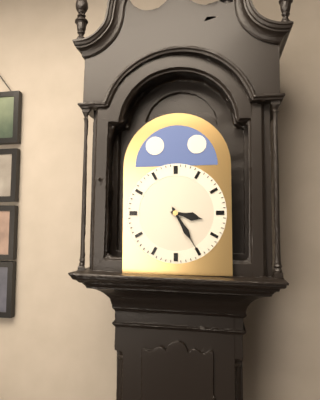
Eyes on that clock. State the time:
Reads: 3:25
